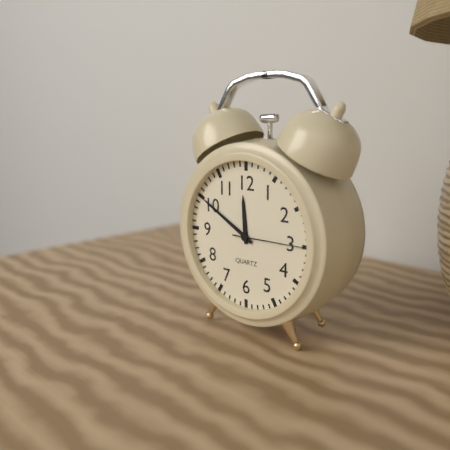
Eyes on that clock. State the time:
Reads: 11:50:15
